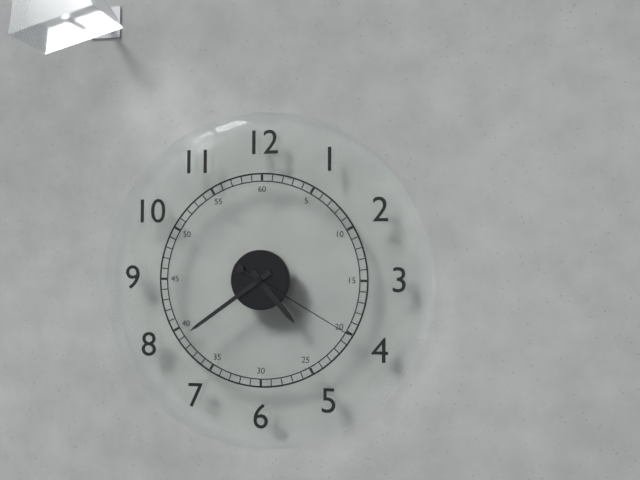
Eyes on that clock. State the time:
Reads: 4:39:20
